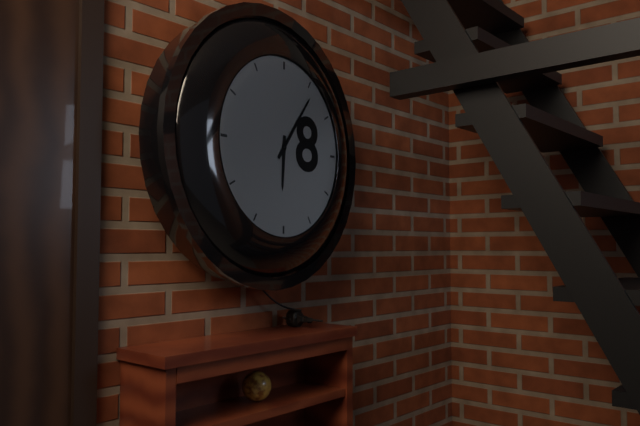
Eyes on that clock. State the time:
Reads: 6:06
